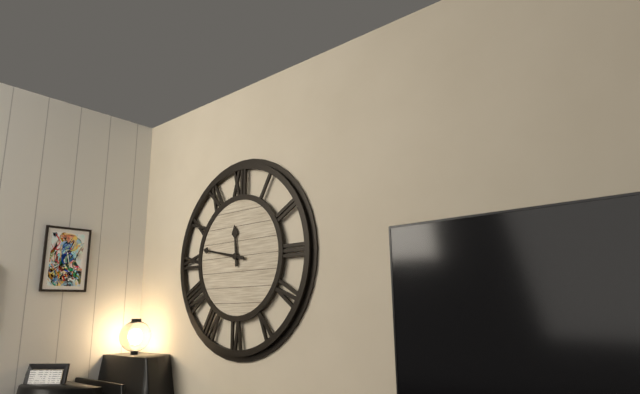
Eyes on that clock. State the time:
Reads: 11:47
